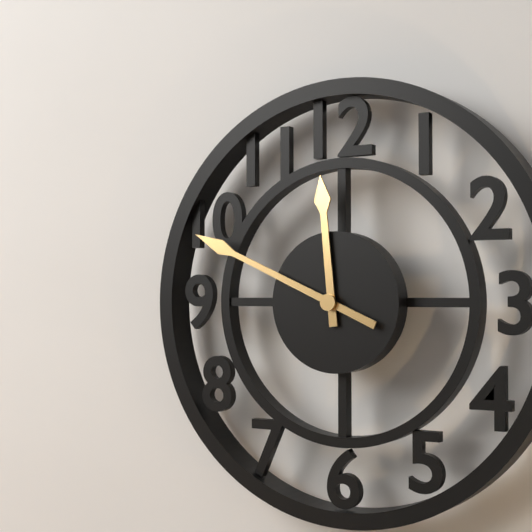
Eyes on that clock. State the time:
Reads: 11:49
